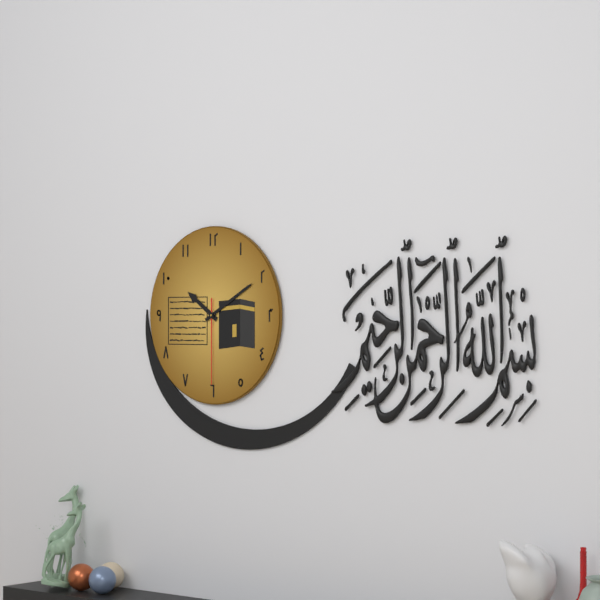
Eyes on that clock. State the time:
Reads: 10:10:30
